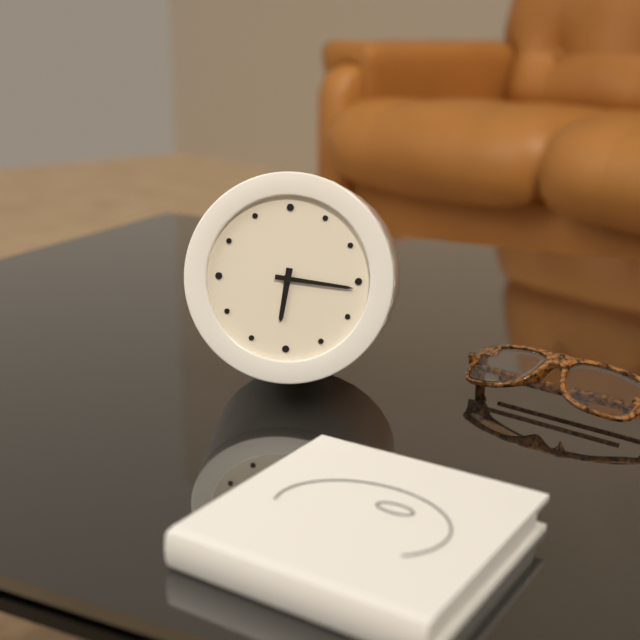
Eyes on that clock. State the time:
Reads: 6:16
